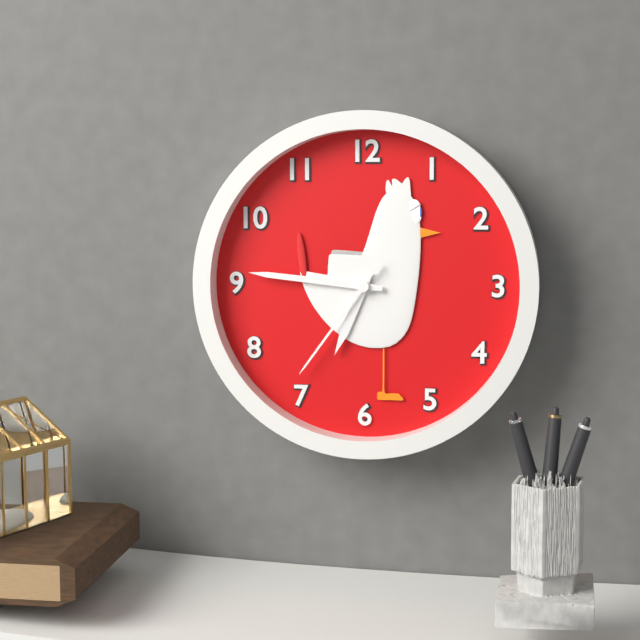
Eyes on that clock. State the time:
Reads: 6:46:36
